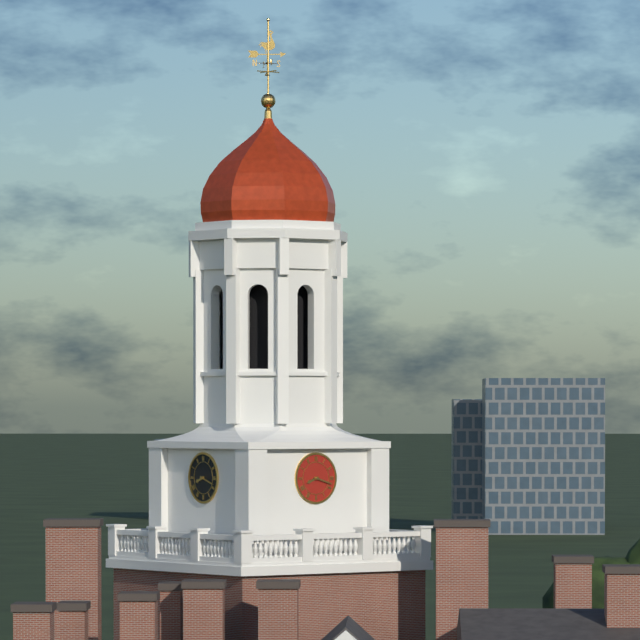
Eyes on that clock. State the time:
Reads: 8:18
